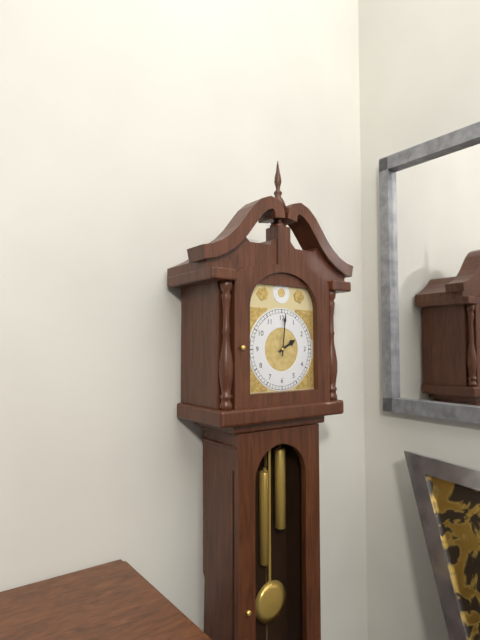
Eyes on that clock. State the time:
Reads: 2:01
